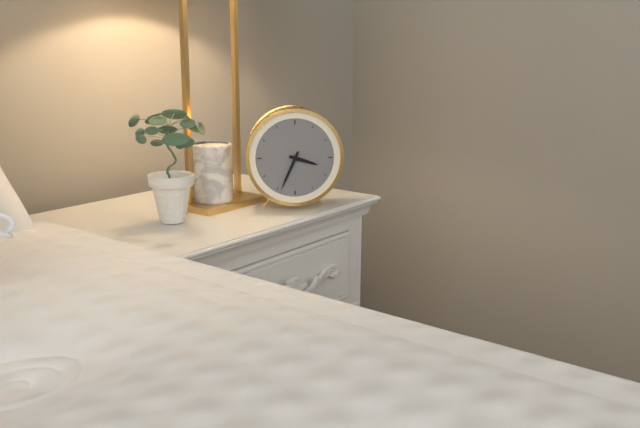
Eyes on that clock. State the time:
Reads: 3:34
